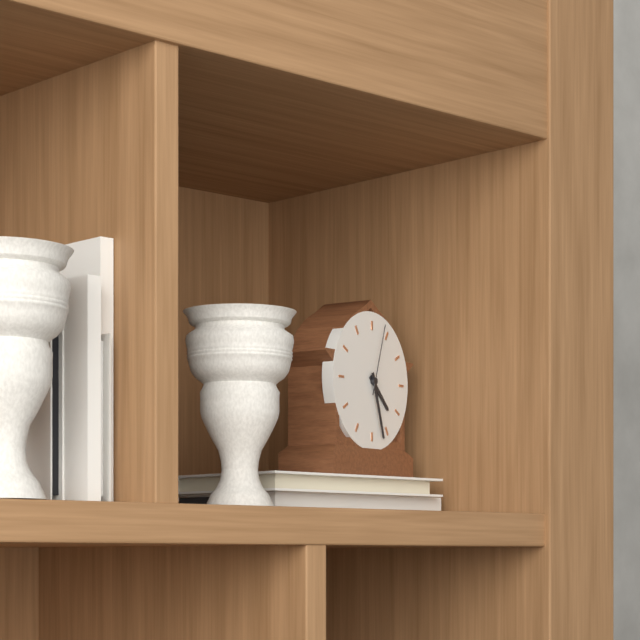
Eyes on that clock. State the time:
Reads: 4:27:03
